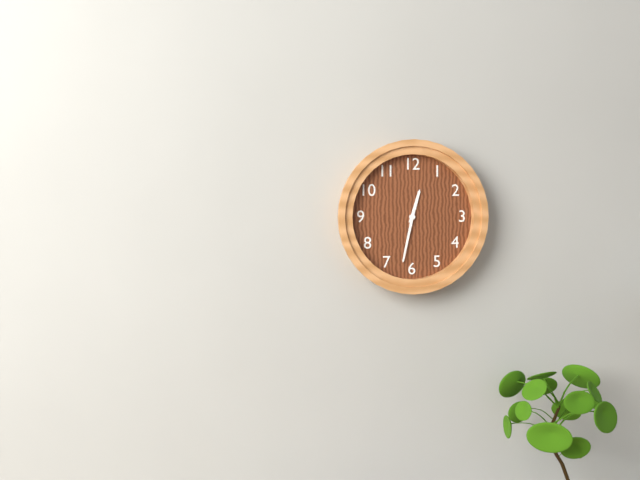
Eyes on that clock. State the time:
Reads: 12:32
